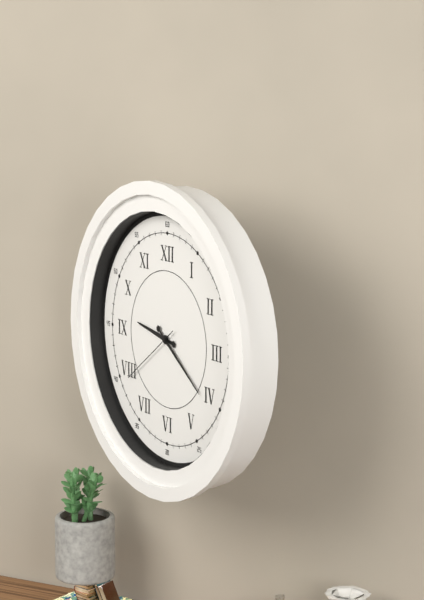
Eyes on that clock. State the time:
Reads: 9:21:39
